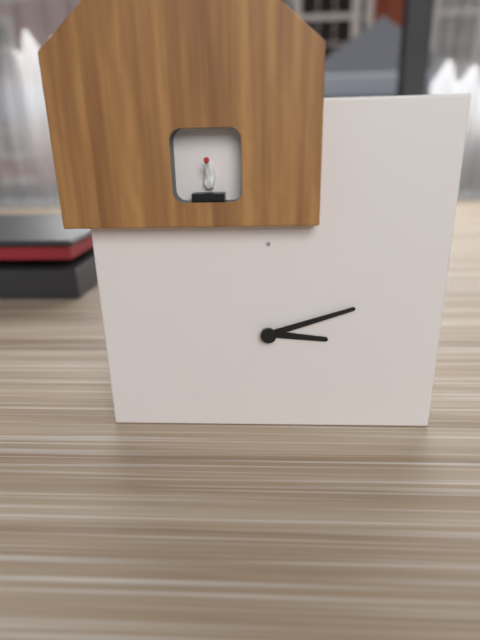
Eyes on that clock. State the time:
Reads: 3:12
